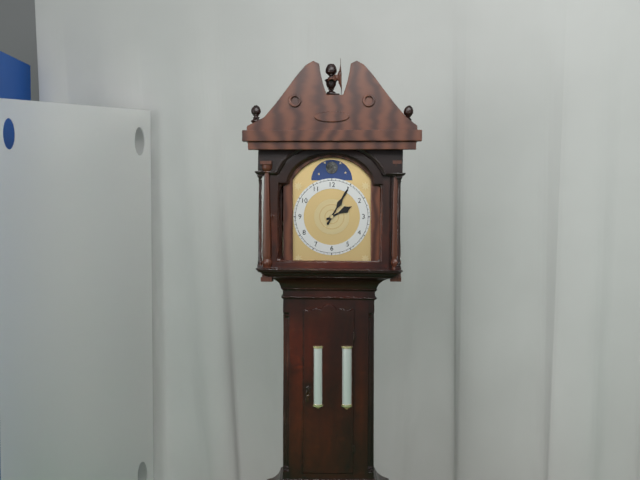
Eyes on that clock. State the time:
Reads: 2:05
